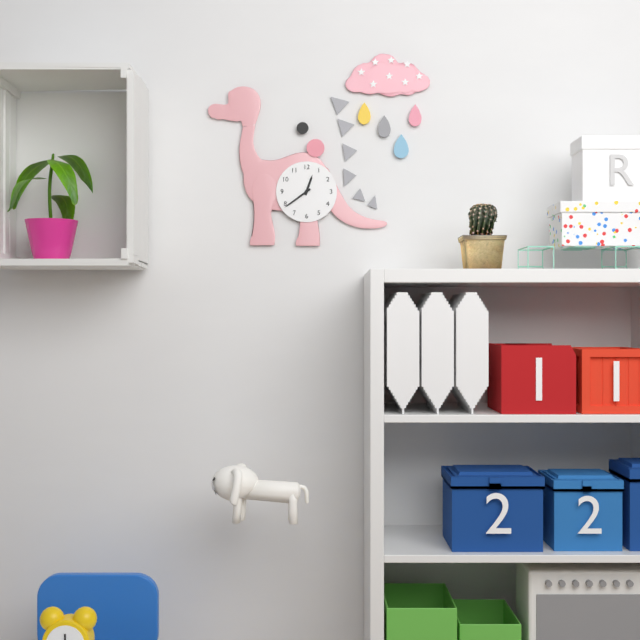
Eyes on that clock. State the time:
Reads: 12:39
